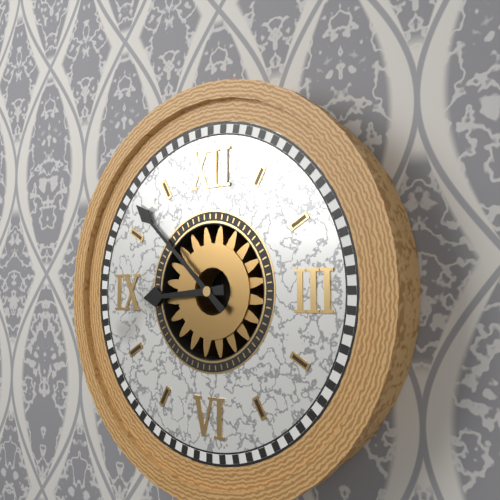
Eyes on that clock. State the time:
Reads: 8:52
